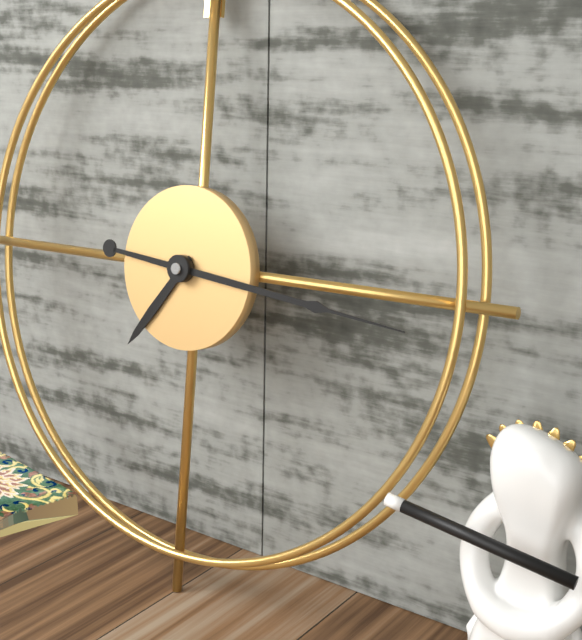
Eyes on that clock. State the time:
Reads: 7:16
